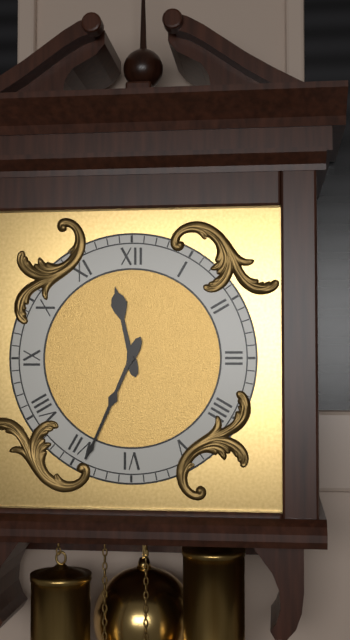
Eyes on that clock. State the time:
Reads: 11:34
